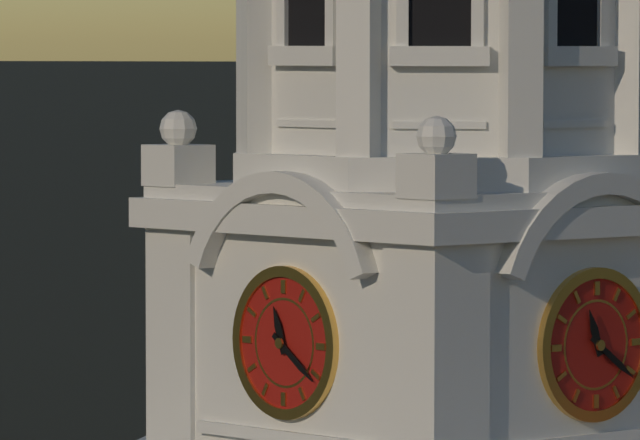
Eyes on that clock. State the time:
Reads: 11:21
